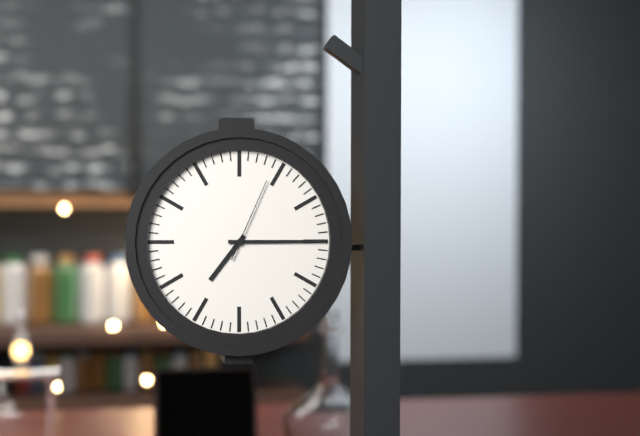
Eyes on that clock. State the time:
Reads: 7:15:04
